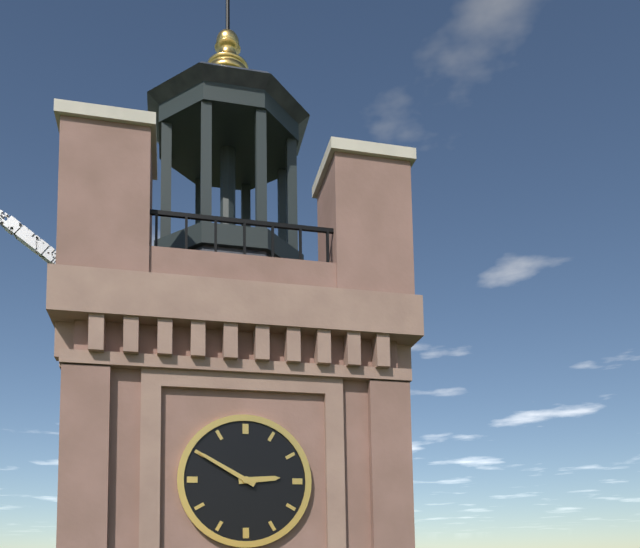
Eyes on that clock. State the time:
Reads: 2:50
